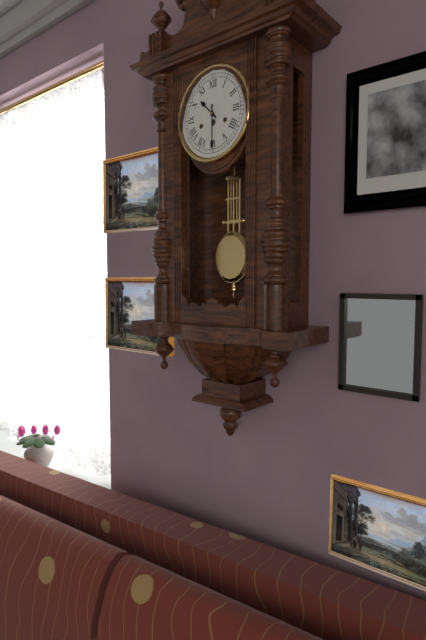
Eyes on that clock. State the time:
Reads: 10:30
